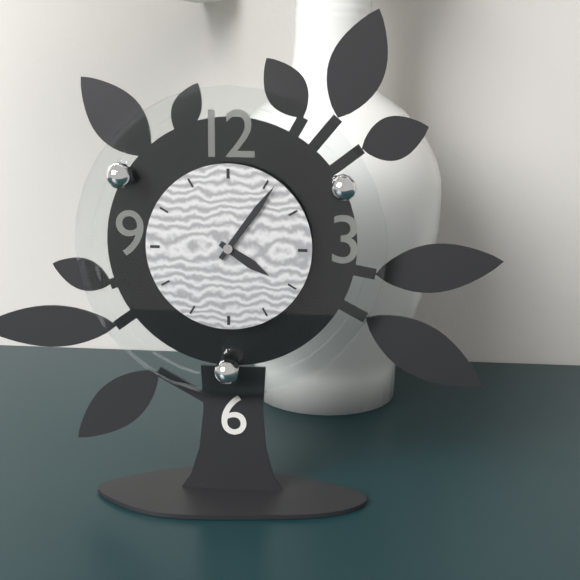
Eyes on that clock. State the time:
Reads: 4:06
